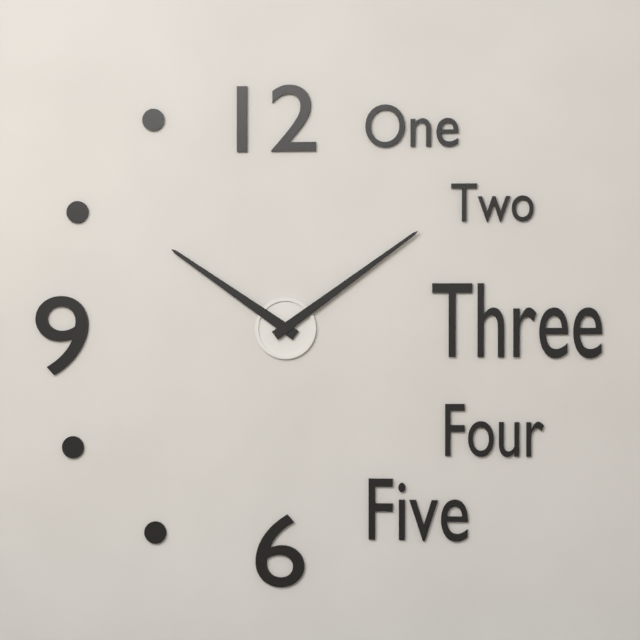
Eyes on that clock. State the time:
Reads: 10:09
